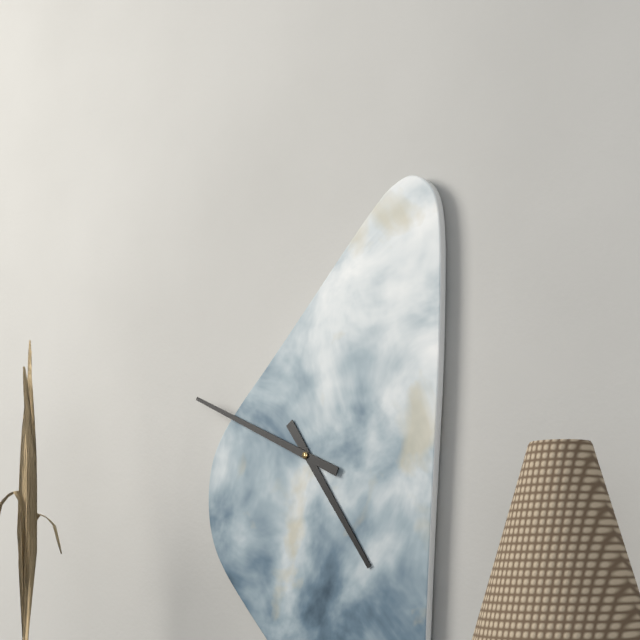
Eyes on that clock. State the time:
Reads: 4:49
